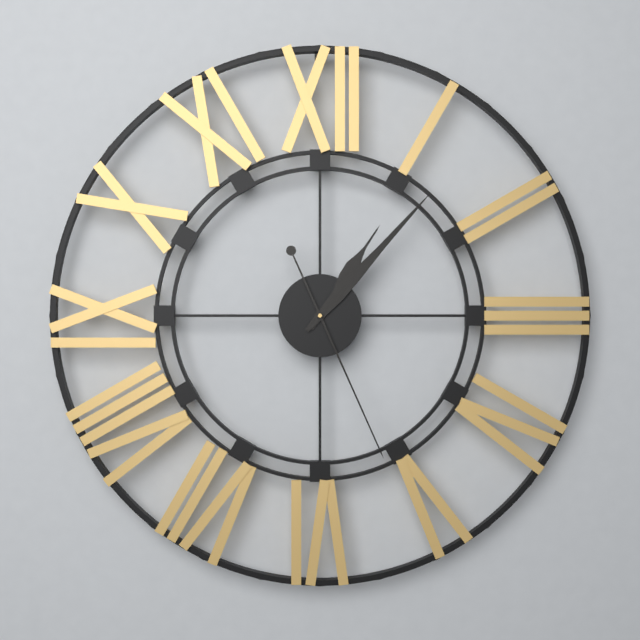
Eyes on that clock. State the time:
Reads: 1:07:26
